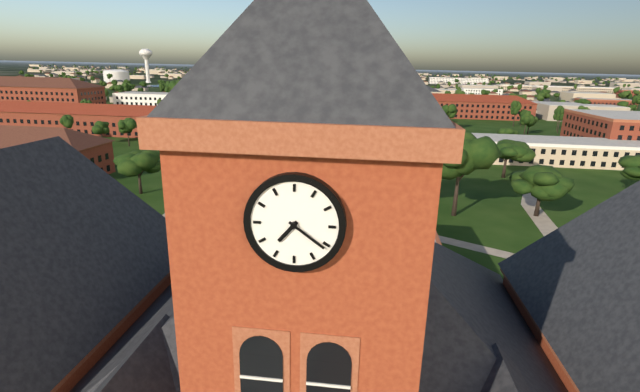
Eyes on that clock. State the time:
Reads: 7:21
